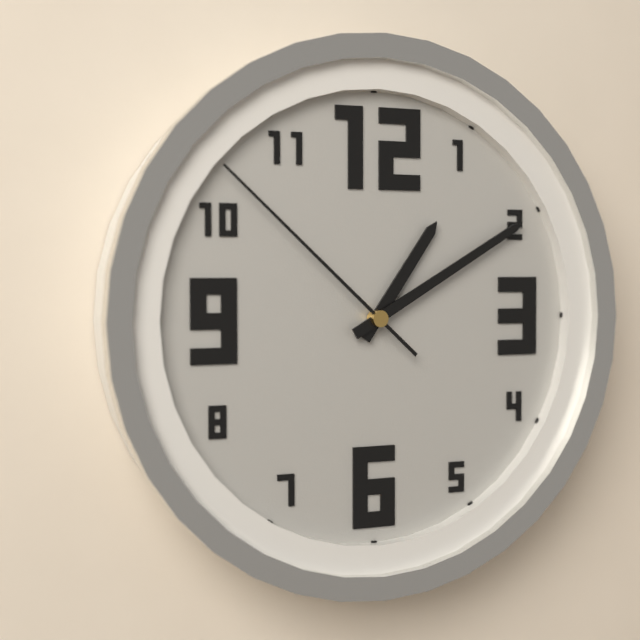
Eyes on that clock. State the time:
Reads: 1:10:52
